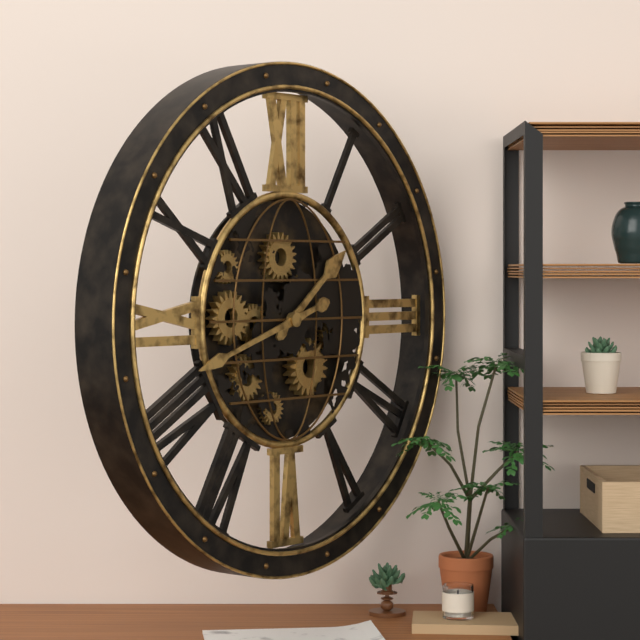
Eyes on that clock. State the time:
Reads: 1:42
